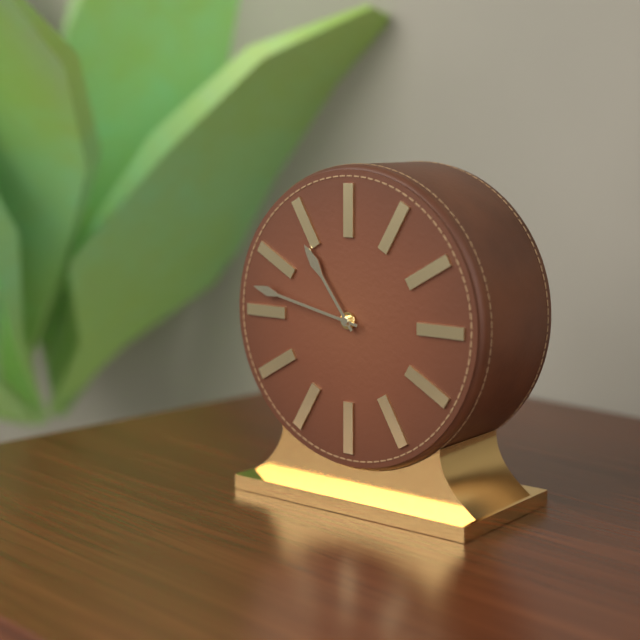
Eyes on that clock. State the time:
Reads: 10:47
